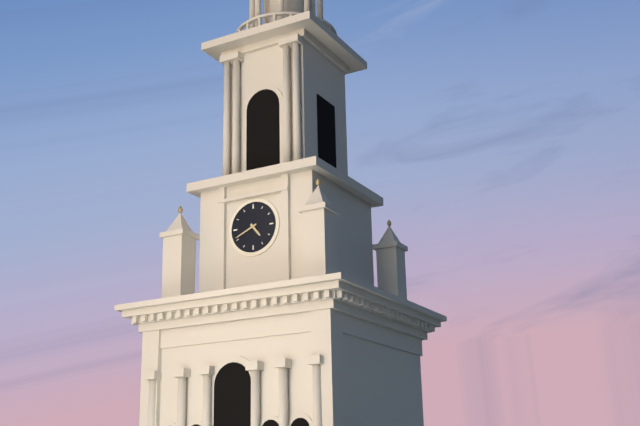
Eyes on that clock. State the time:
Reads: 4:41
